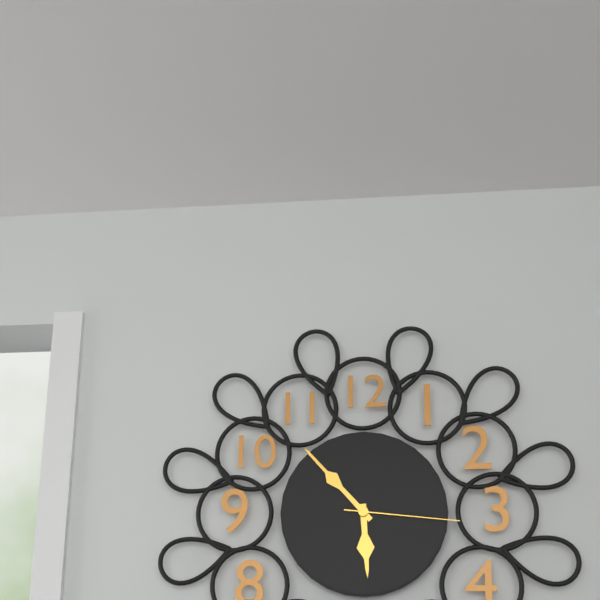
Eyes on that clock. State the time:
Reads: 5:53:16
